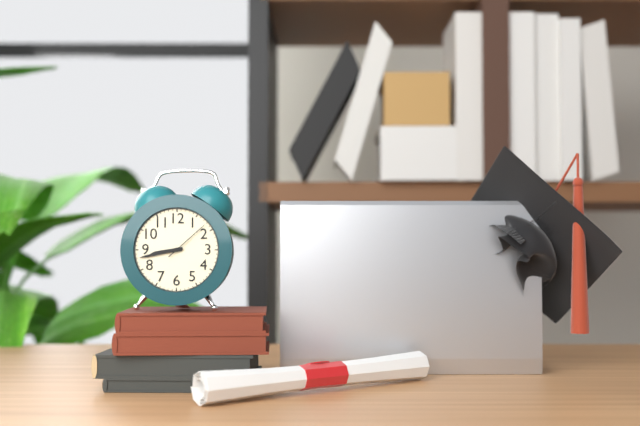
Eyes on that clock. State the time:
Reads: 8:43
